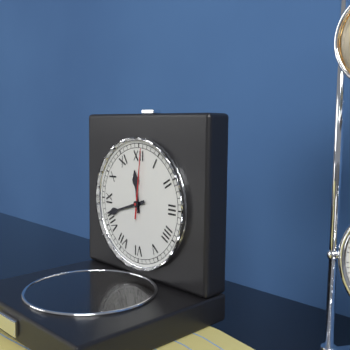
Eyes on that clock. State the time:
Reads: 11:42:01
